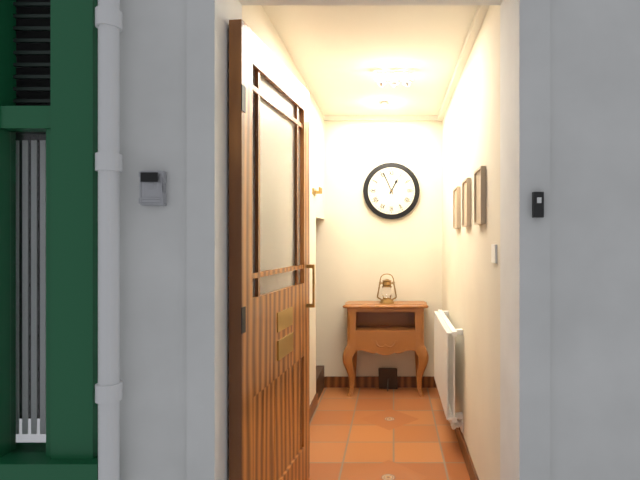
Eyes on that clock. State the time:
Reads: 12:56
